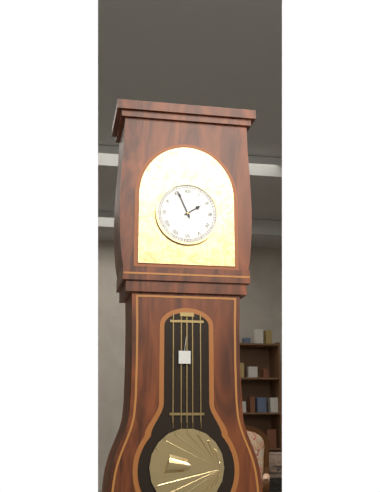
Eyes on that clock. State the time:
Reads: 1:56
